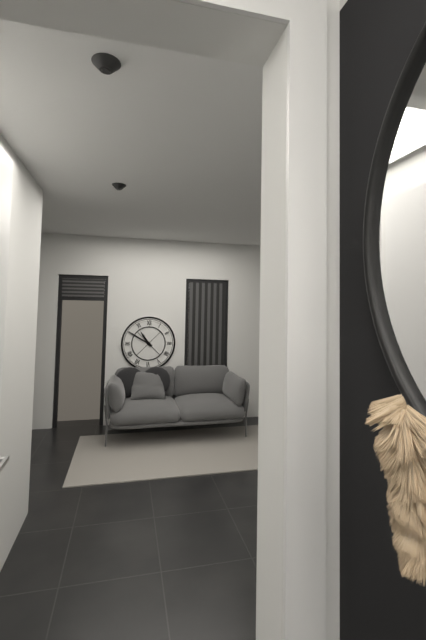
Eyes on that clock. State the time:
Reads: 10:50
